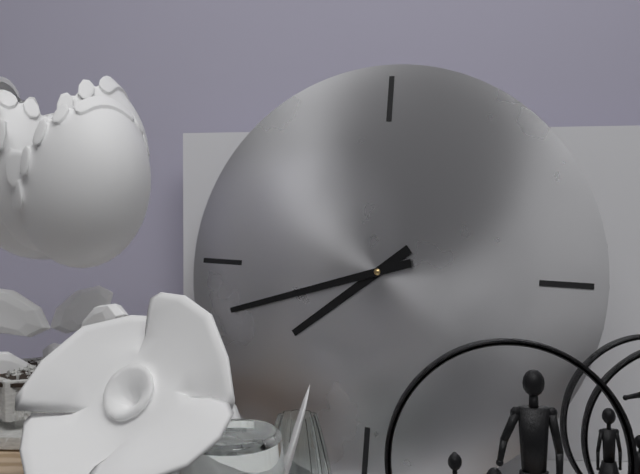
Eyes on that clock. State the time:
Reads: 7:42
